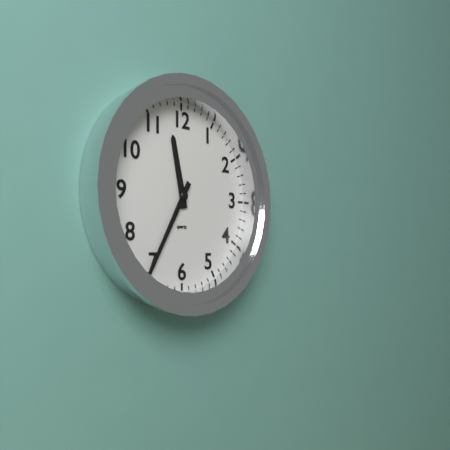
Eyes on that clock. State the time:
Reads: 11:35
